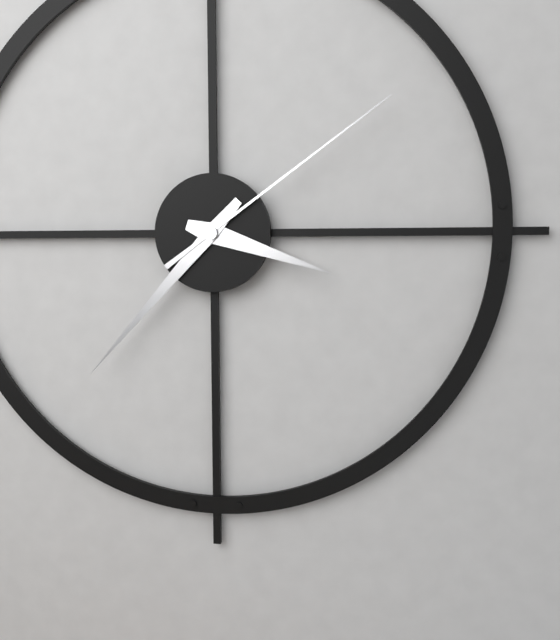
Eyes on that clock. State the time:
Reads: 3:37:09
